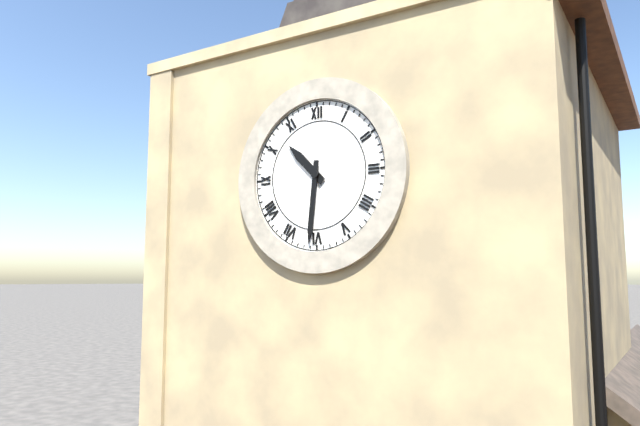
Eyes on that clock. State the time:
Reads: 10:31
